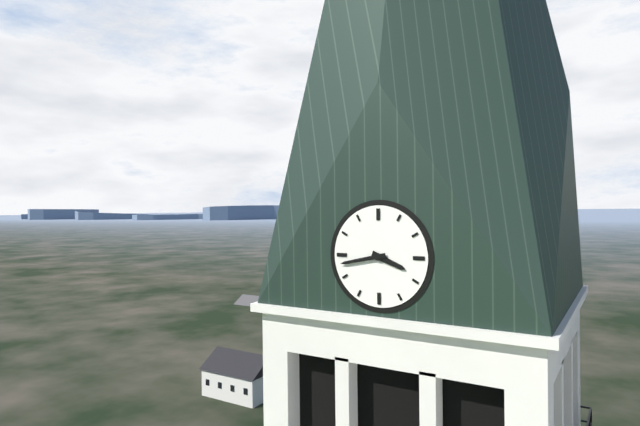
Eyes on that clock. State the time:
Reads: 3:43
